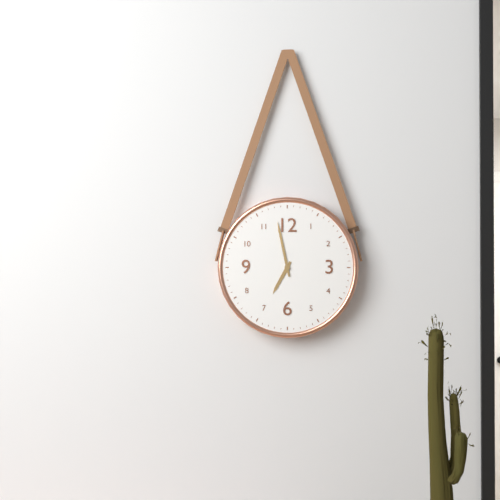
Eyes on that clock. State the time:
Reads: 6:58
